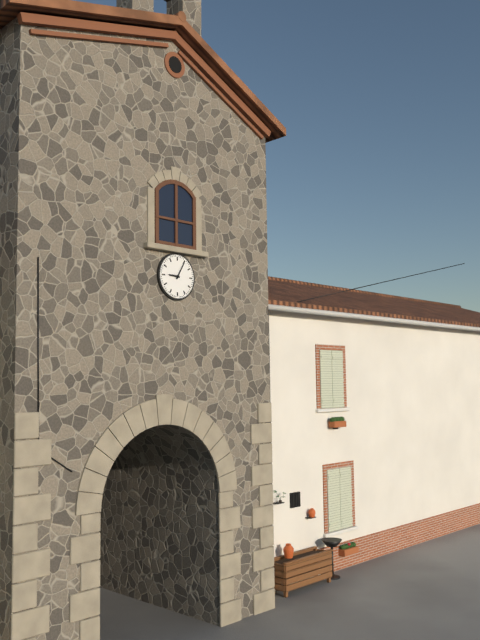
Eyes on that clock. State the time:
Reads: 9:05
